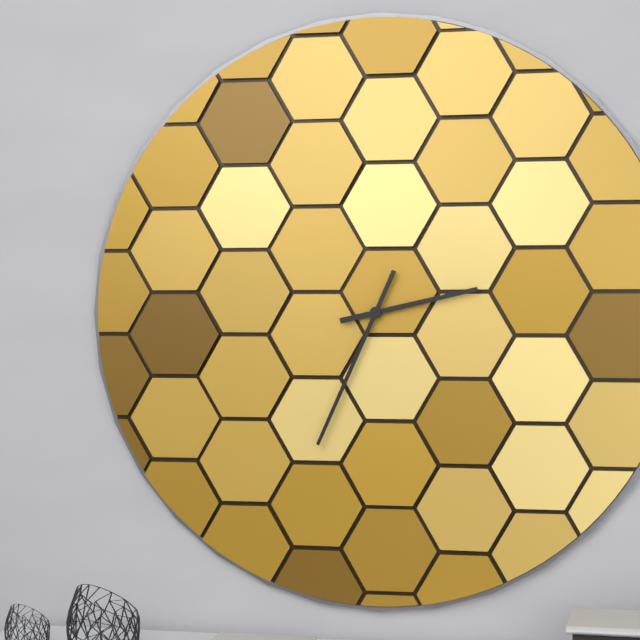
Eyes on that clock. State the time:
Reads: 2:34
